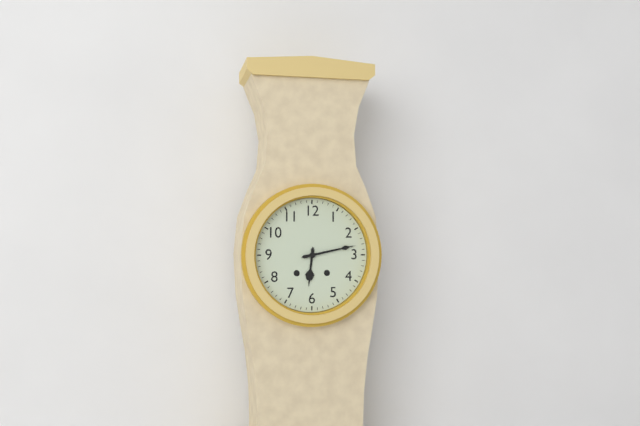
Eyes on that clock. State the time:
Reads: 6:13
